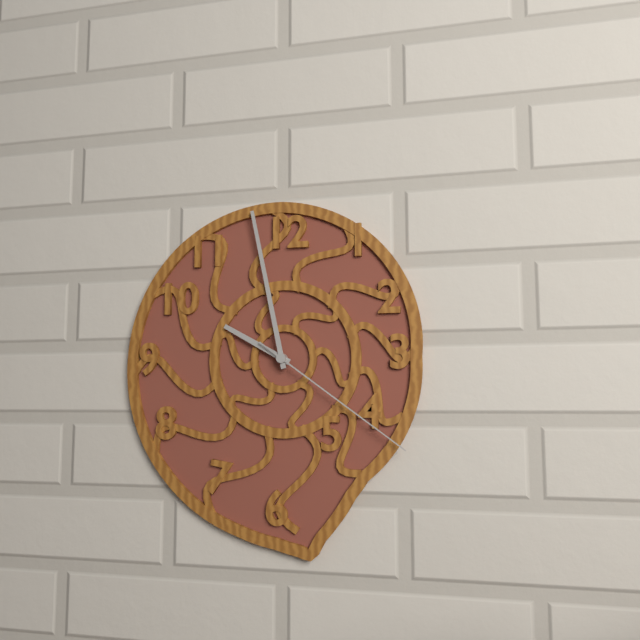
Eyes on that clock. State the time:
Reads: 9:58:21
